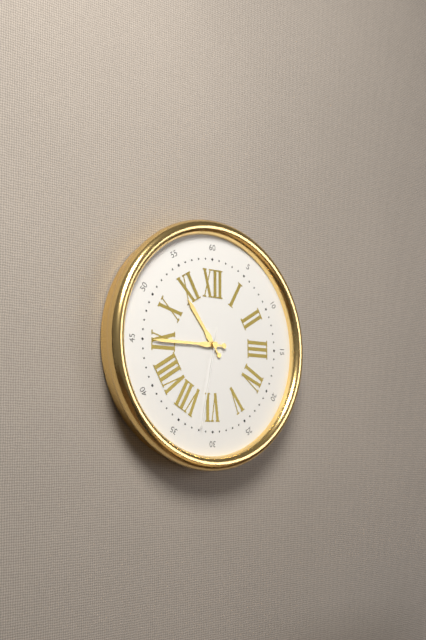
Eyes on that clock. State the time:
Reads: 10:45:32
